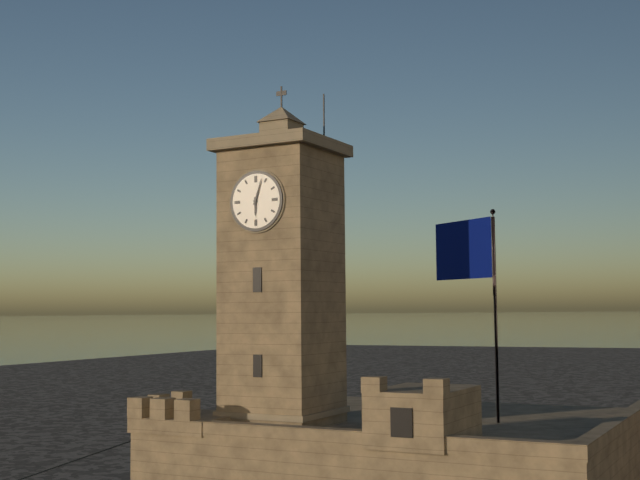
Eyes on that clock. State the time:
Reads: 6:03
